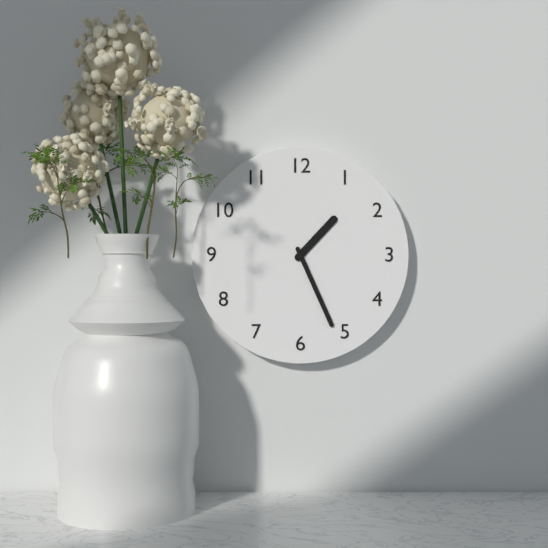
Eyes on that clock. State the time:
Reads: 1:26
